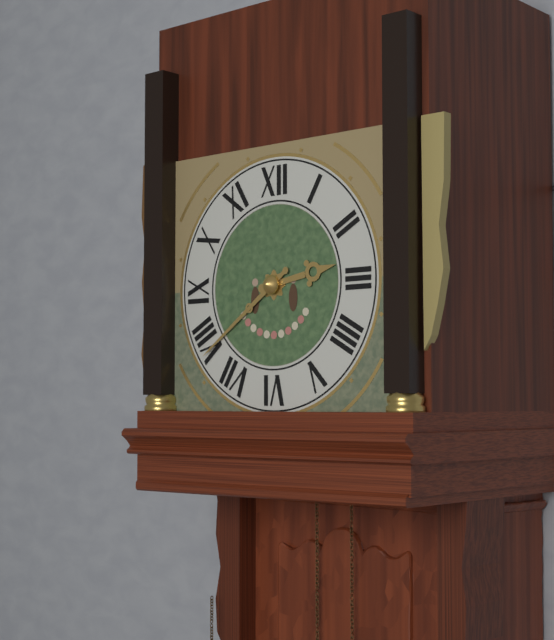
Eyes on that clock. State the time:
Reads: 2:39
